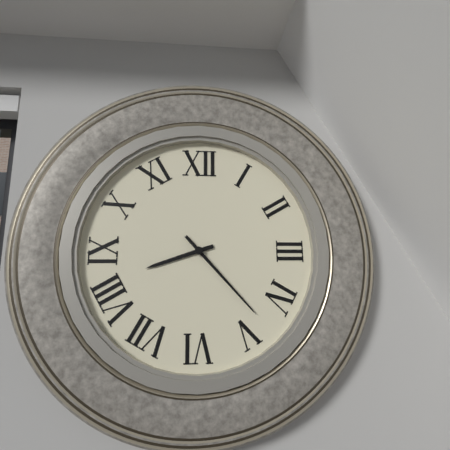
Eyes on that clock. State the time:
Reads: 8:23
